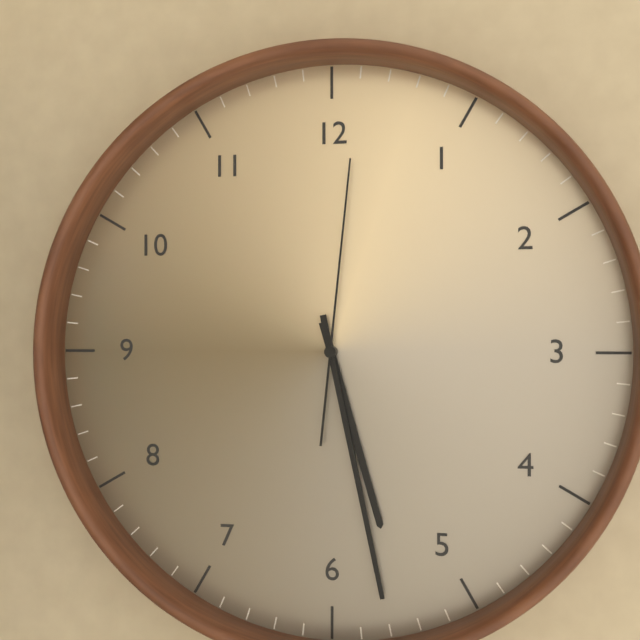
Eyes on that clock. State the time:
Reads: 5:28:01
